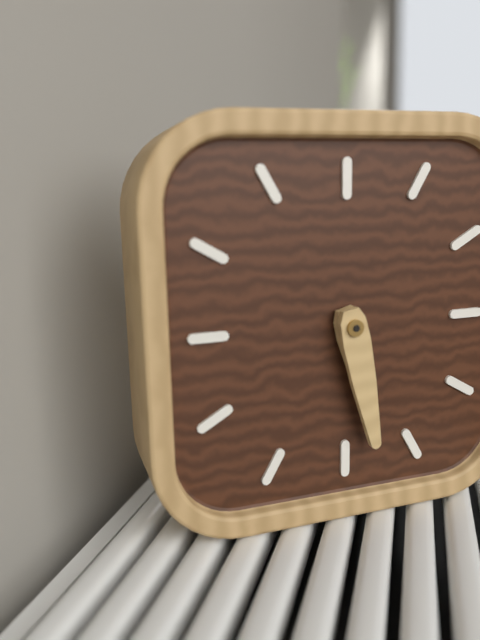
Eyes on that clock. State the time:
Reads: 5:28
